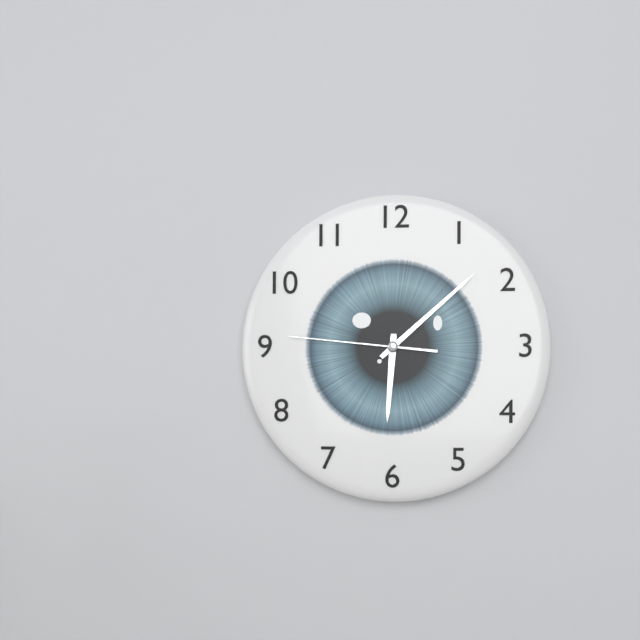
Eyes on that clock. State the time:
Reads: 6:08:46
